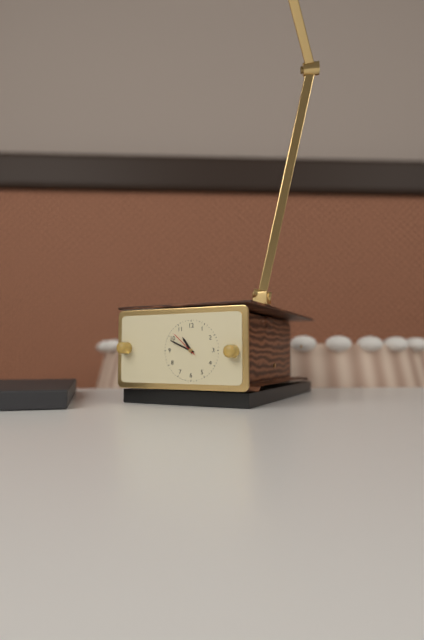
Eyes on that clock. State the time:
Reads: 10:49
